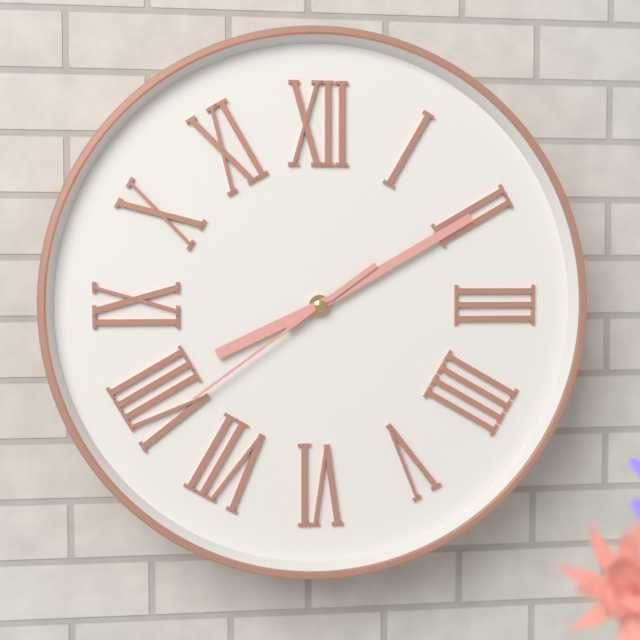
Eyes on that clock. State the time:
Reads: 8:10:39
